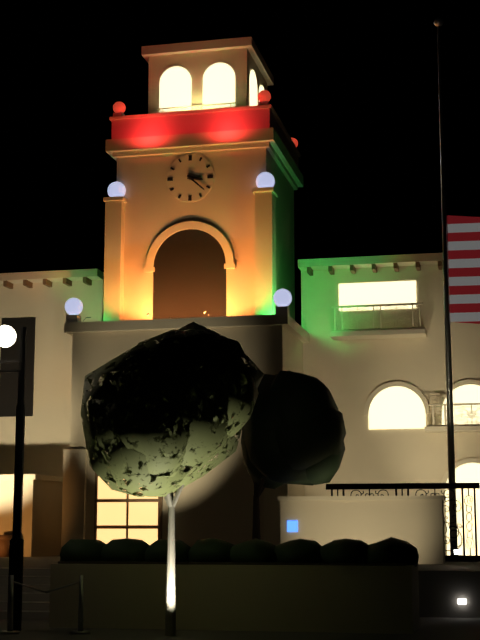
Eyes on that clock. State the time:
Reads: 3:22
